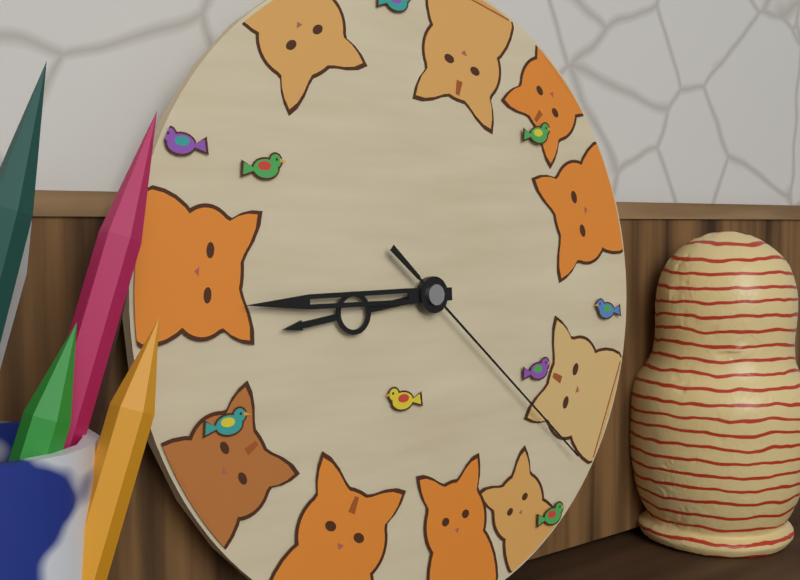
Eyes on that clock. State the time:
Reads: 8:45:22
